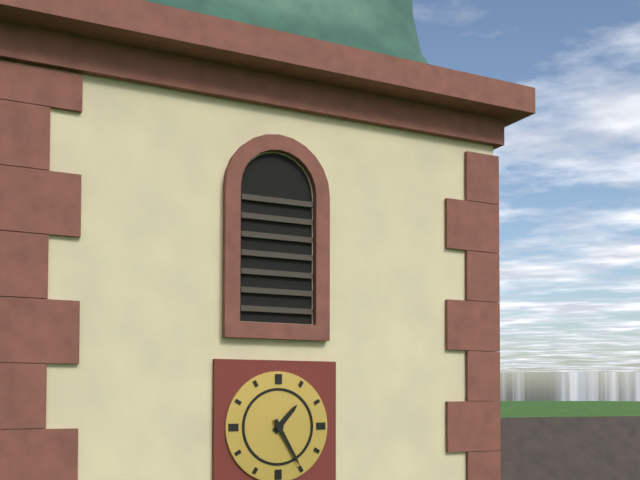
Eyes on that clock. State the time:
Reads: 1:25
